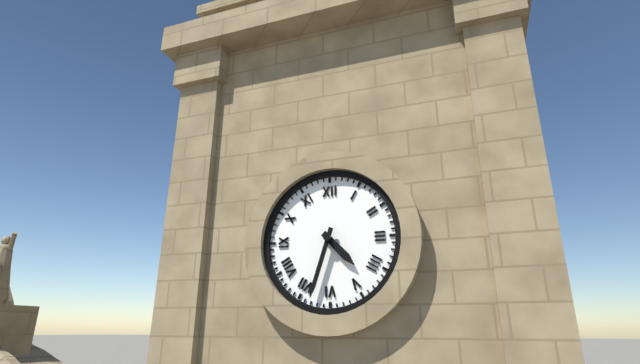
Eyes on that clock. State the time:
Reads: 4:33
